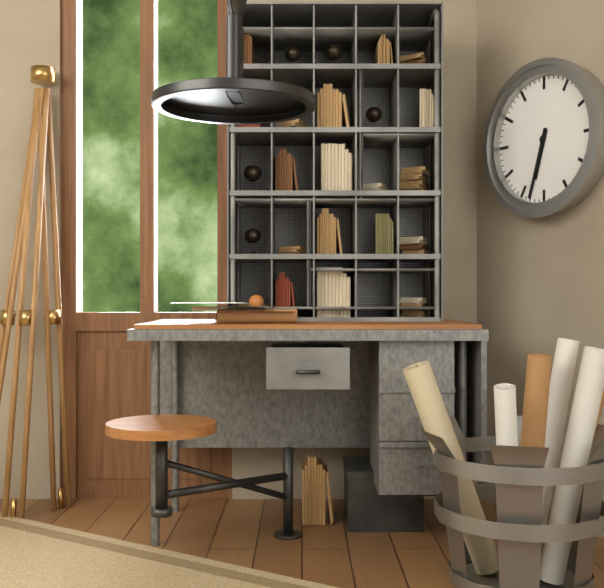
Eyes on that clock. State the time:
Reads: 6:33
